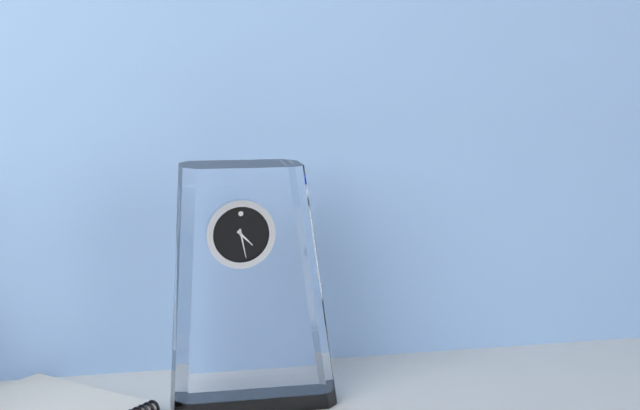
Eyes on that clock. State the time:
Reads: 4:28
